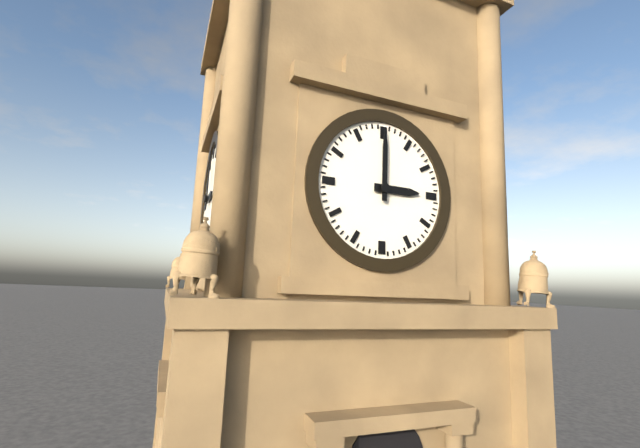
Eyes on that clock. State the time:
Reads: 3:00
